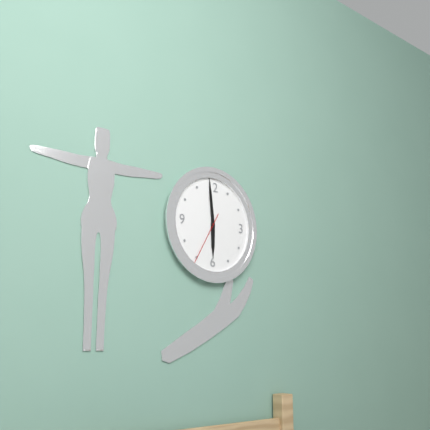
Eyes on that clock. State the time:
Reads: 5:59:35
